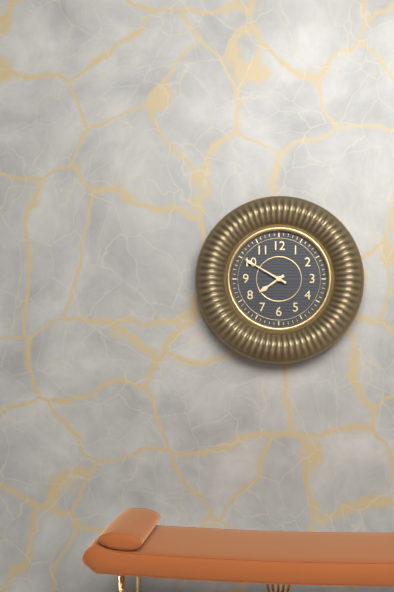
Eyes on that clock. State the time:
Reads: 7:50
